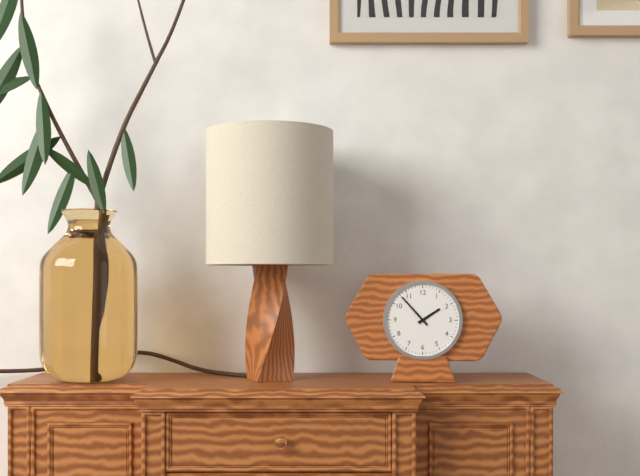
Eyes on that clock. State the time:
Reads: 1:53
